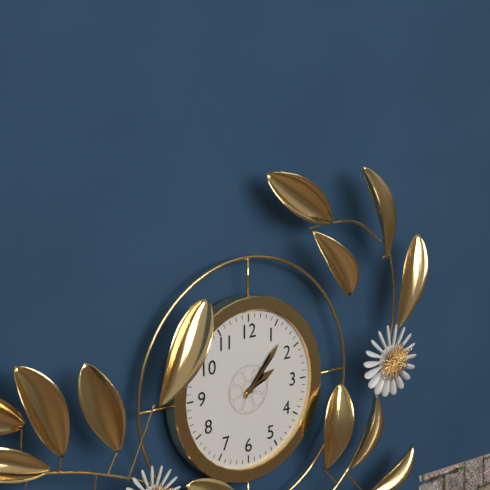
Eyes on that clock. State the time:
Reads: 2:07
